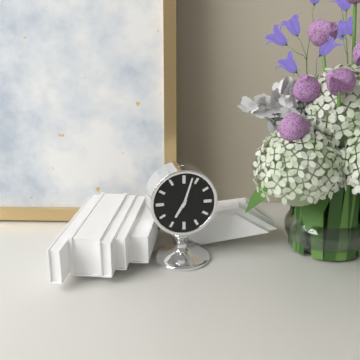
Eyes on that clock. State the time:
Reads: 7:03
